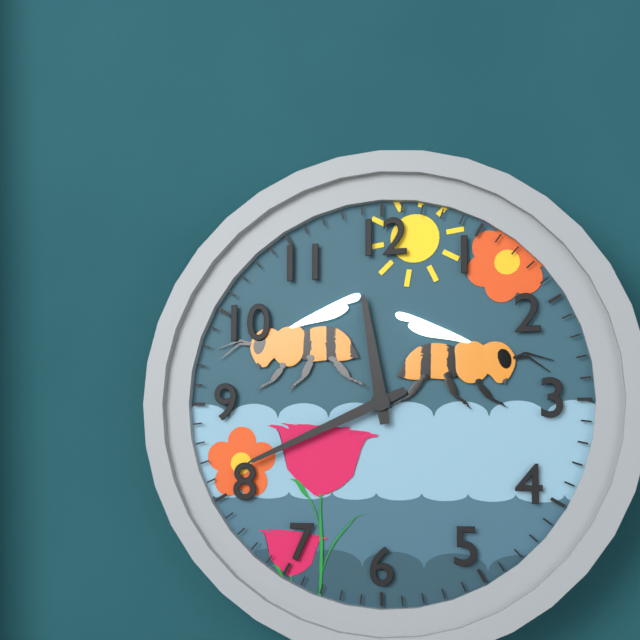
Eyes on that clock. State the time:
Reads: 11:41
